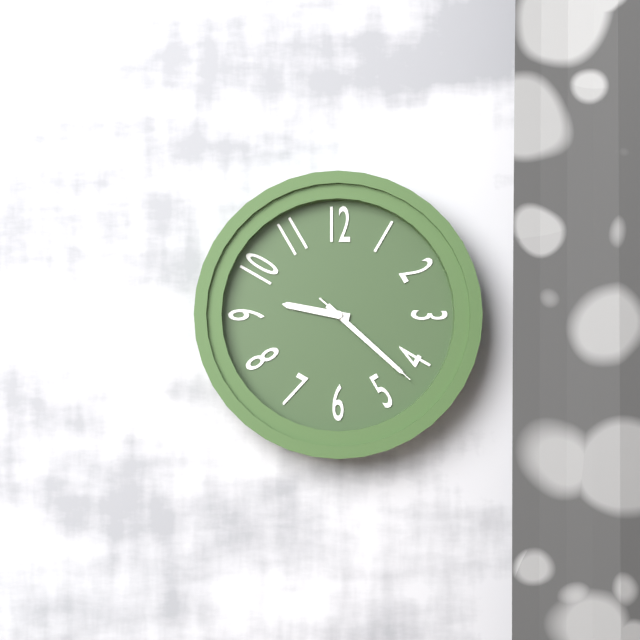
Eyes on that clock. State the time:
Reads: 9:22:22
